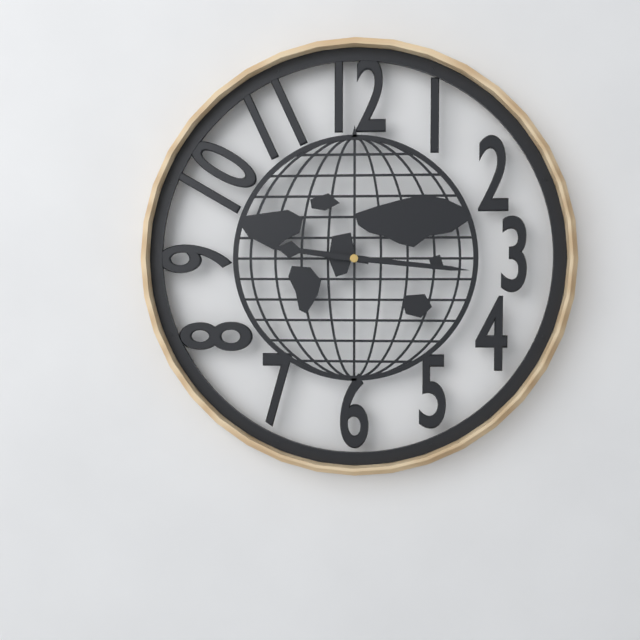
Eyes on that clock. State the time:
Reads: 9:16
